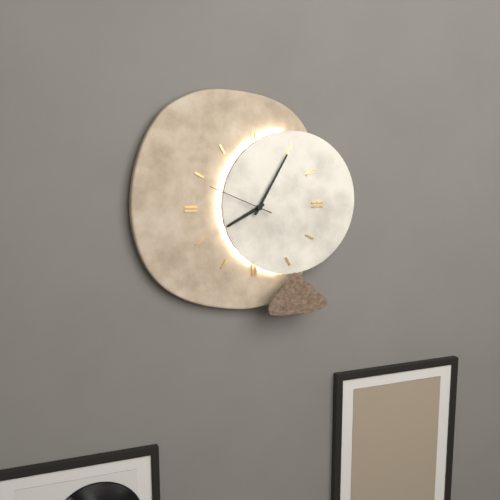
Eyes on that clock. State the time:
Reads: 8:05:49
